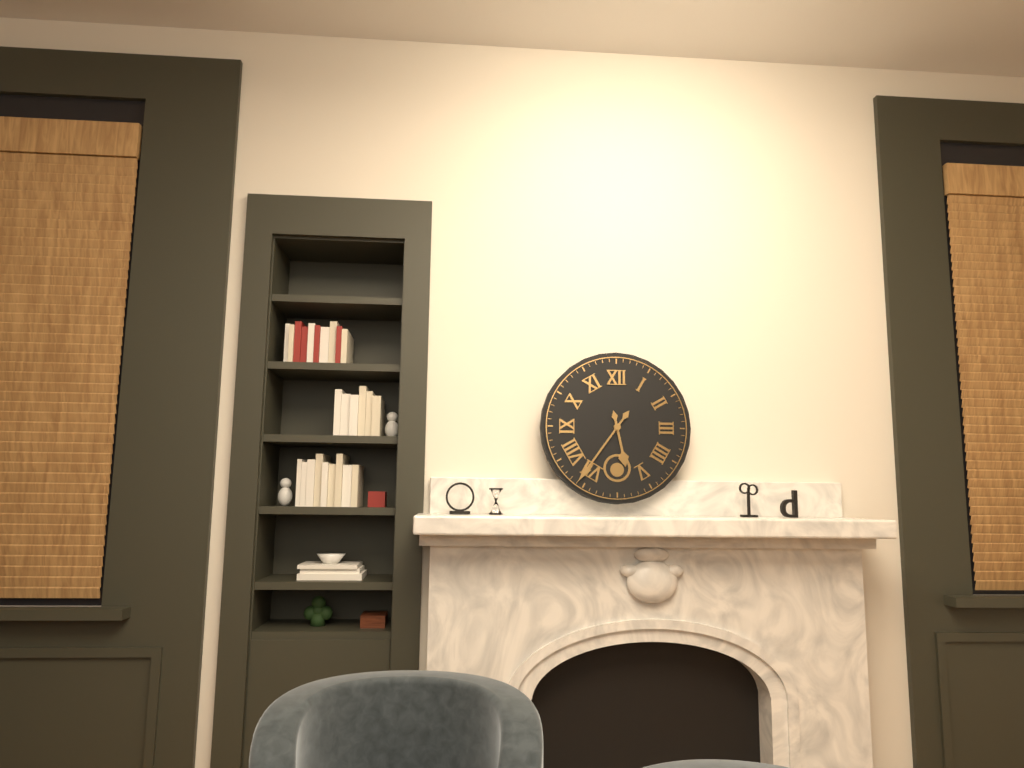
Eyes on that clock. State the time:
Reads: 5:36
